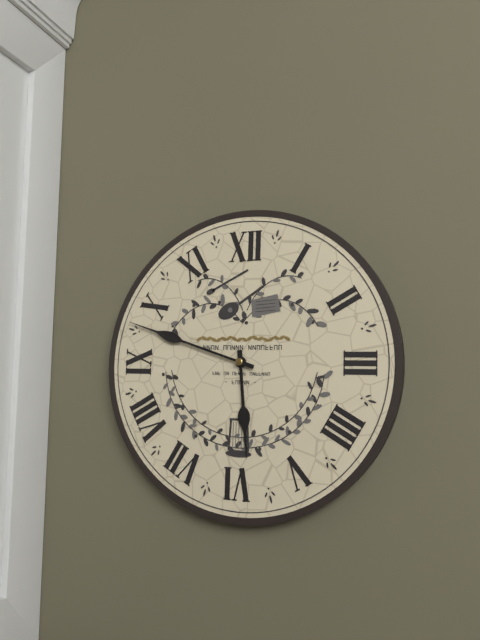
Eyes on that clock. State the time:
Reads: 5:48
